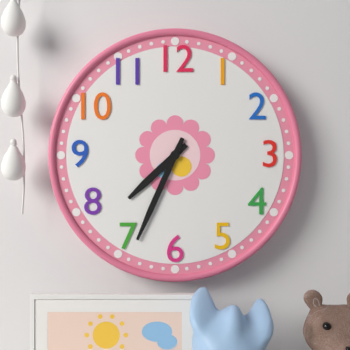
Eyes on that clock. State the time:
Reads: 7:34
